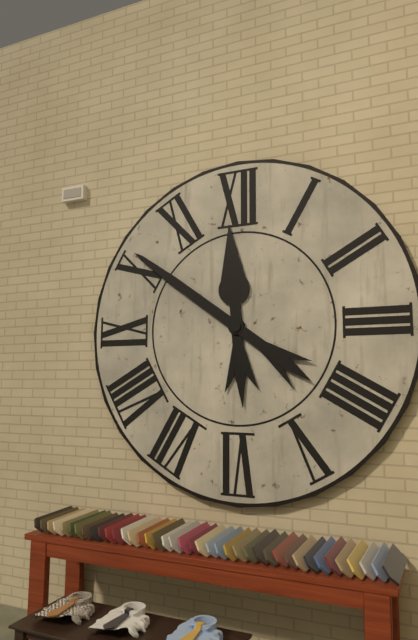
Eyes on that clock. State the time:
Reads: 11:51
